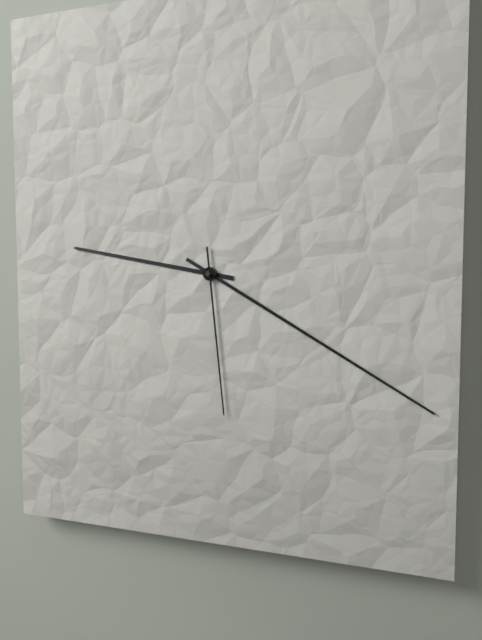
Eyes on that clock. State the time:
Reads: 9:20:29
